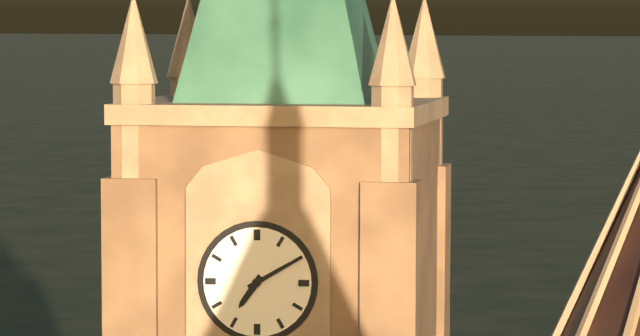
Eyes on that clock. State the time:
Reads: 7:10
